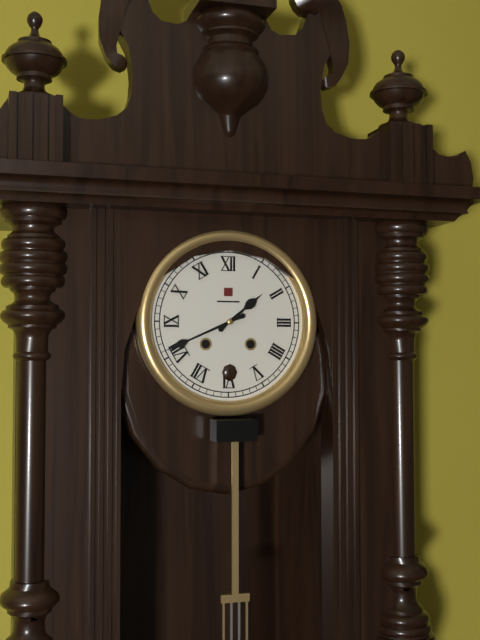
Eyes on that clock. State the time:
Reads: 1:41
